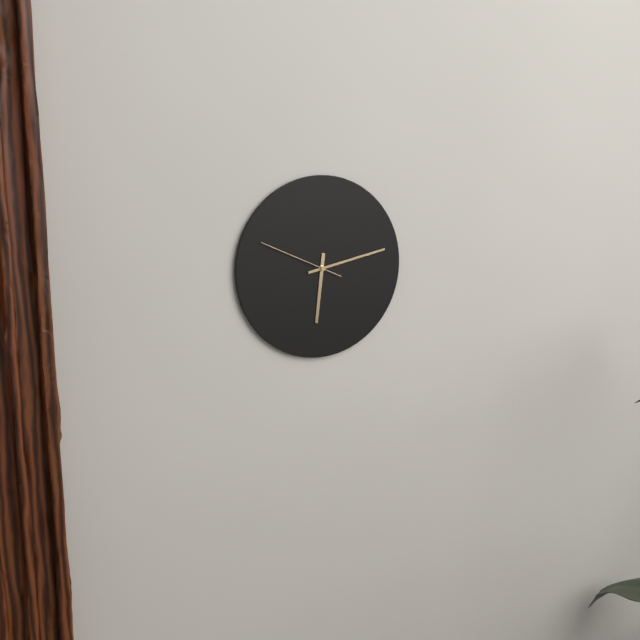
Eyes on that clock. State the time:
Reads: 6:13:49
